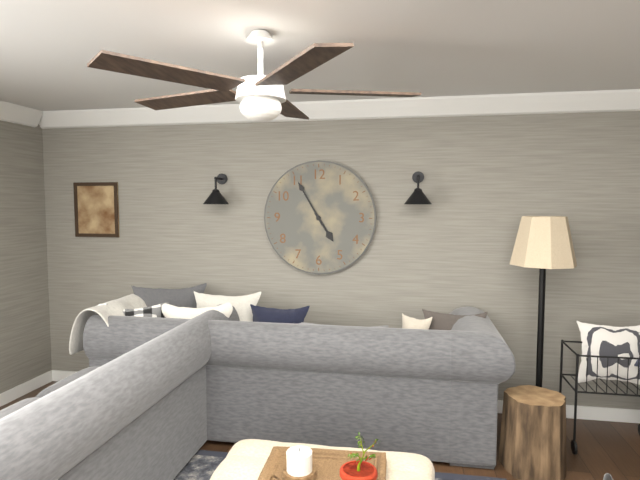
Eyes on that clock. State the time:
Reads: 4:55
